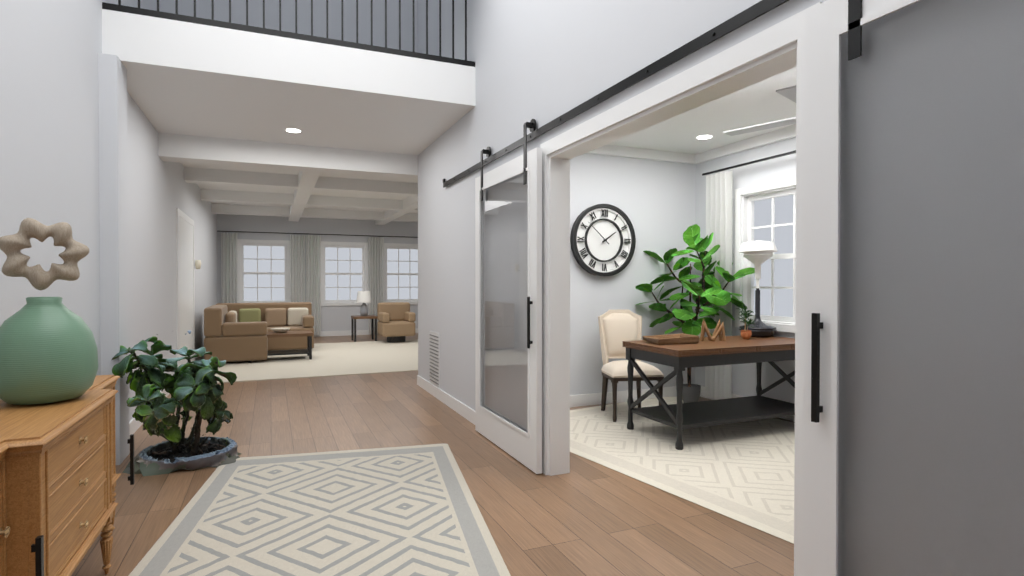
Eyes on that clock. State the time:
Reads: 1:52
